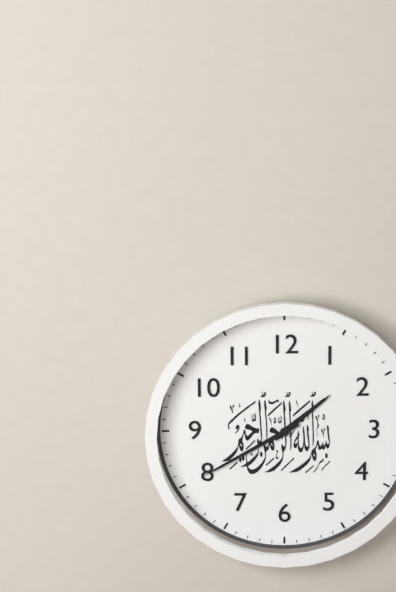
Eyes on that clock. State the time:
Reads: 1:40
